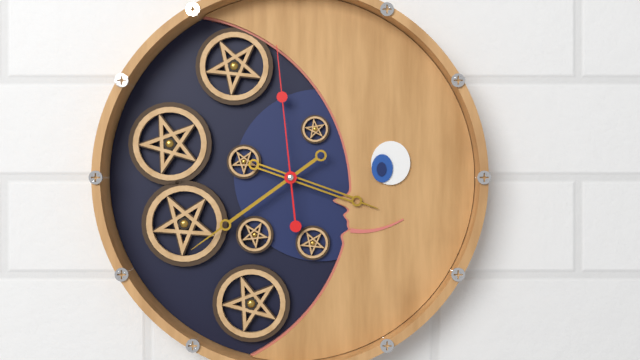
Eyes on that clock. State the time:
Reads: 3:39:59
